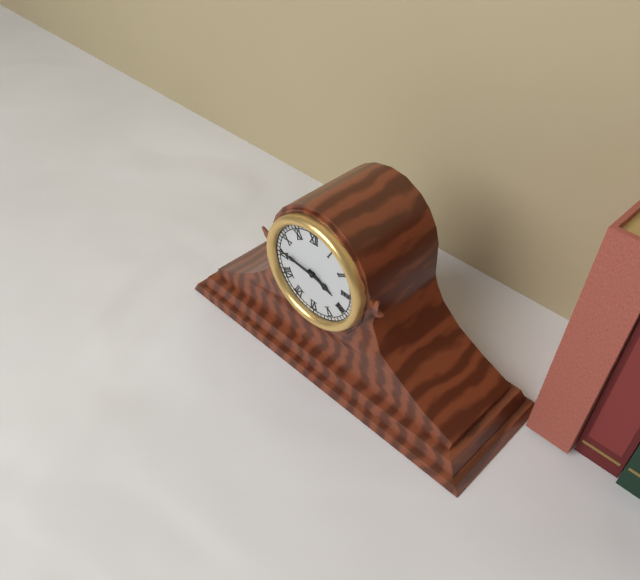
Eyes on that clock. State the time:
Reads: 3:46
